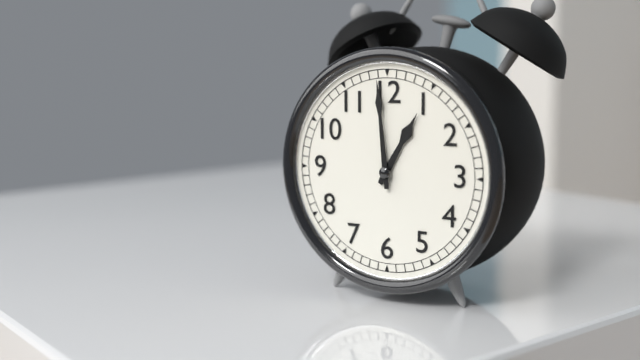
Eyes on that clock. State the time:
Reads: 12:59
